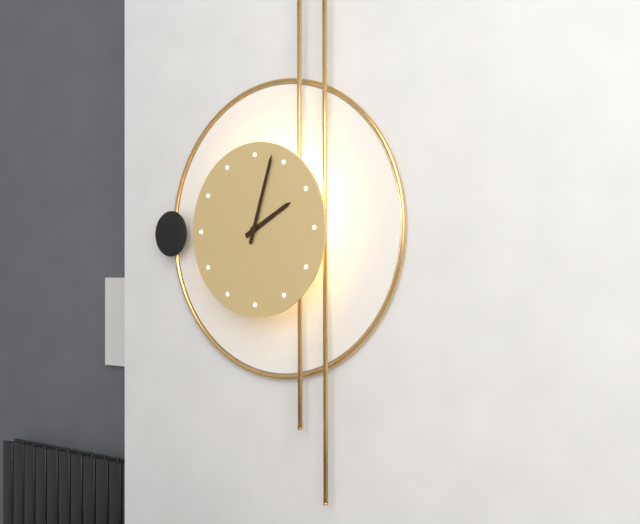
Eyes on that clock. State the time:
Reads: 2:03
